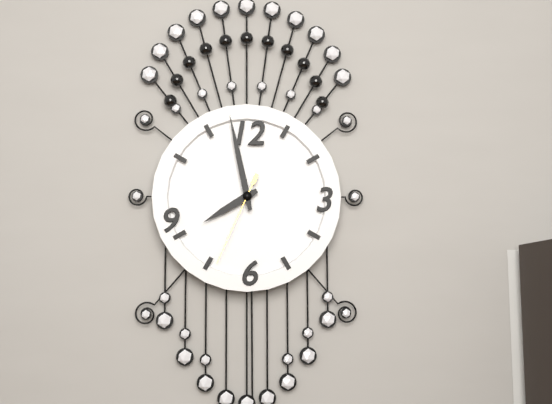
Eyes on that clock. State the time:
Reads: 7:58:34
